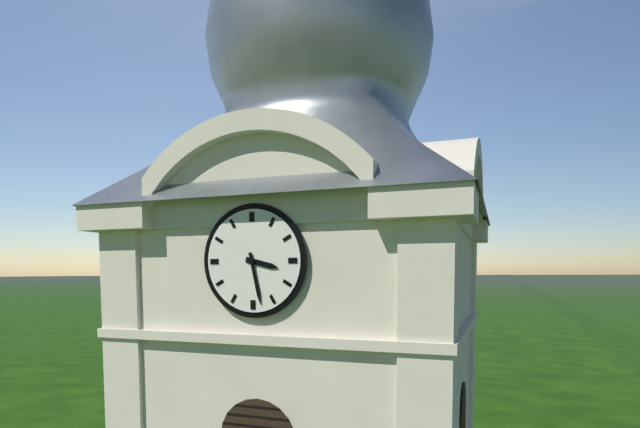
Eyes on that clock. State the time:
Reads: 3:28
